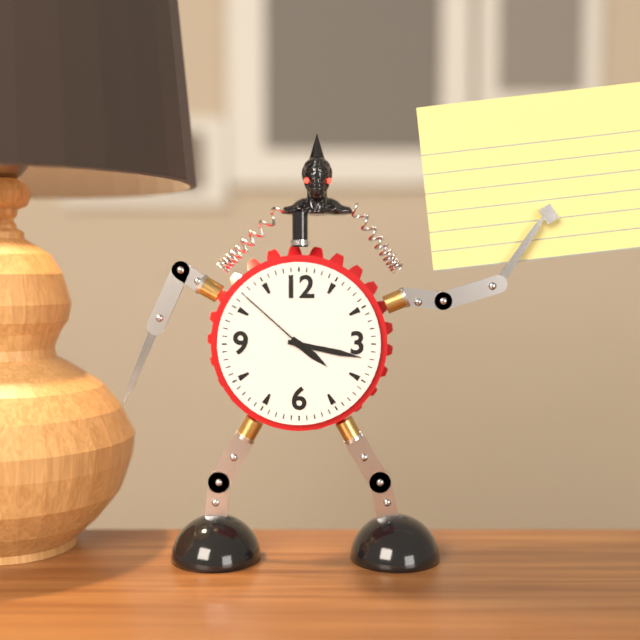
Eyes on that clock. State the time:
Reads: 4:17:52
